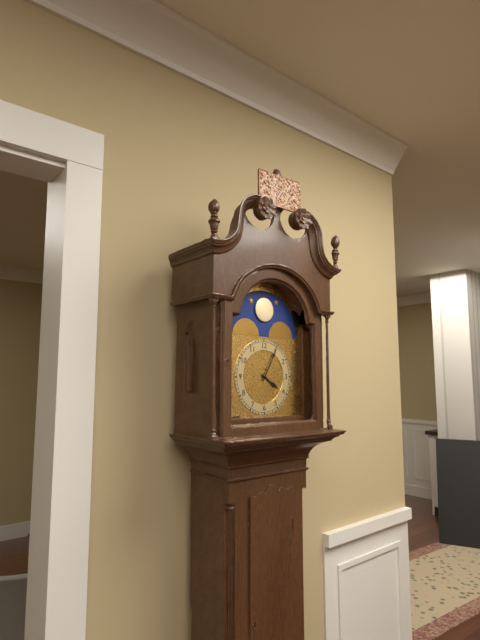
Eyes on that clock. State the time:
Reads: 4:05
